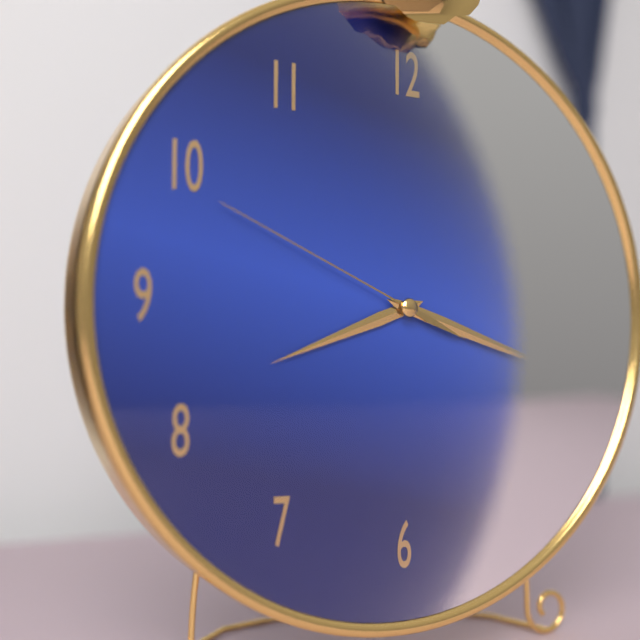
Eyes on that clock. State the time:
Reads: 8:18:49
